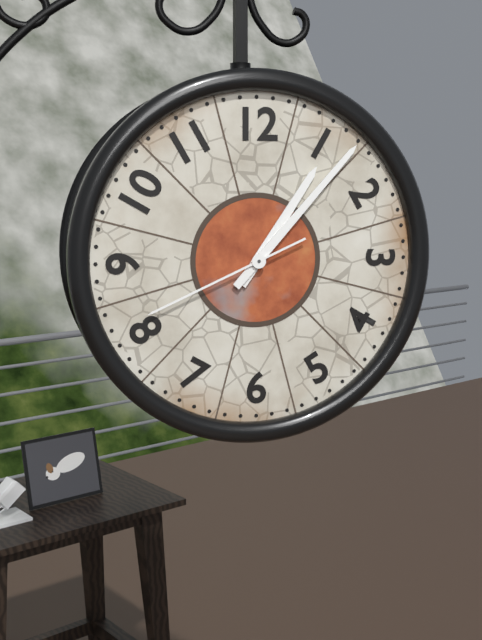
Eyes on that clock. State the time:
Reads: 1:07:41
